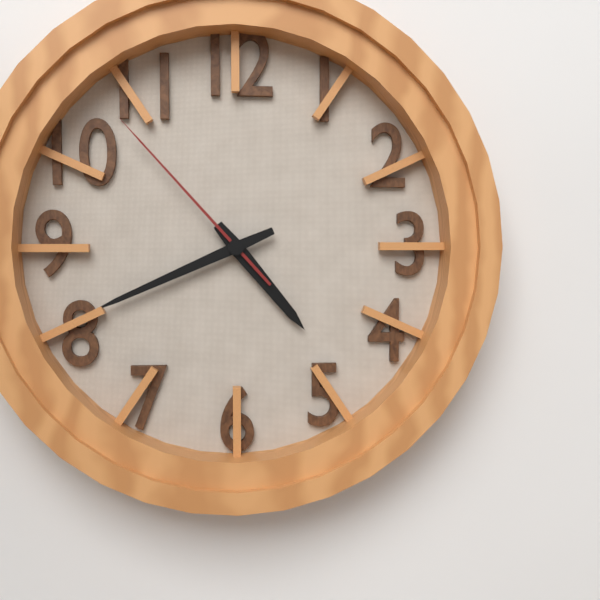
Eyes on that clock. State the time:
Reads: 4:41:53
